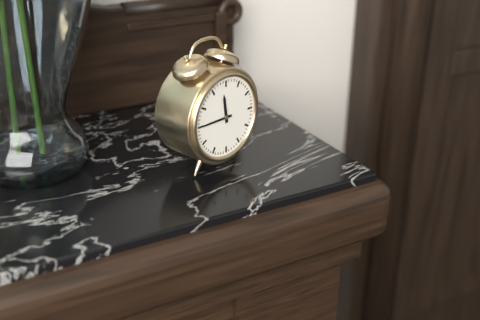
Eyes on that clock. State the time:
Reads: 11:45
